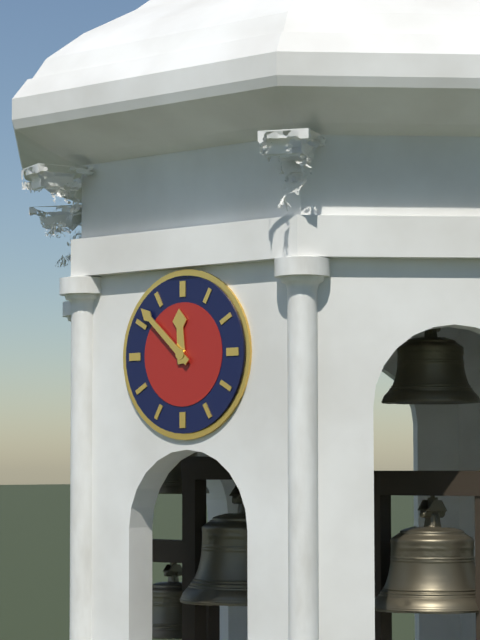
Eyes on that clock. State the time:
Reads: 11:52
